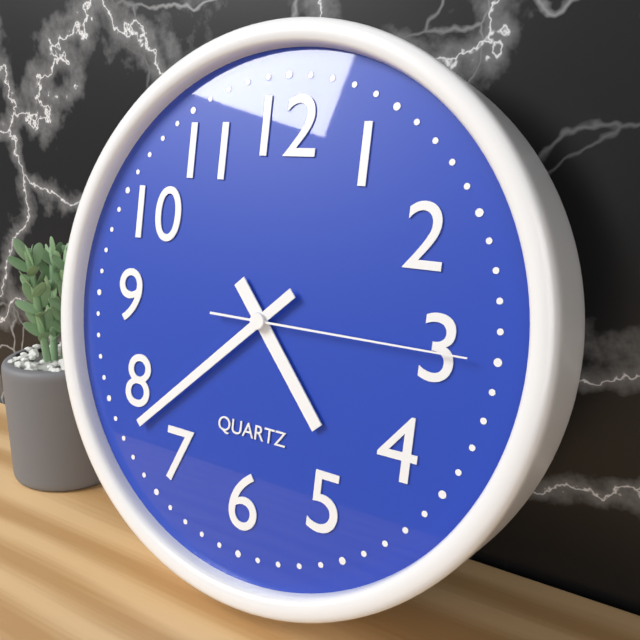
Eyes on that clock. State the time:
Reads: 4:38:15
